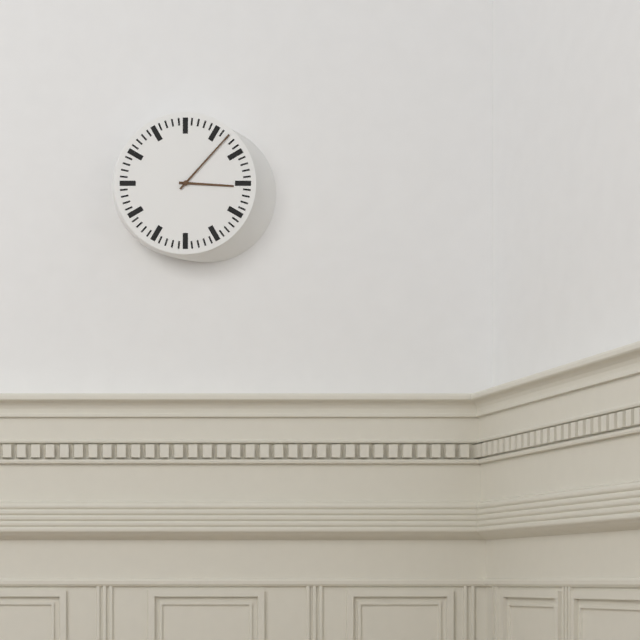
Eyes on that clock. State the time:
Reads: 3:07
